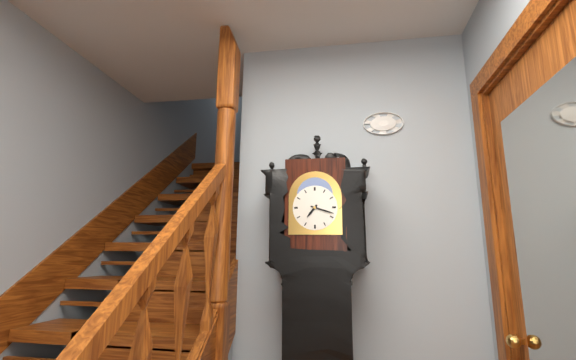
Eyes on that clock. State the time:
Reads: 7:18
